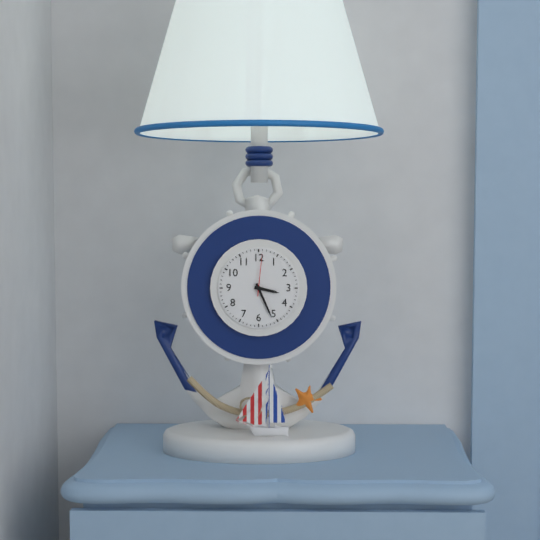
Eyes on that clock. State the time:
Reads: 3:26
